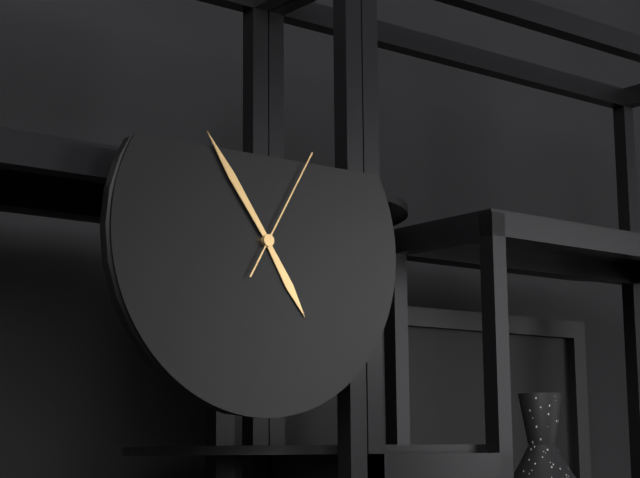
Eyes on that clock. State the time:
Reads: 4:54:05
